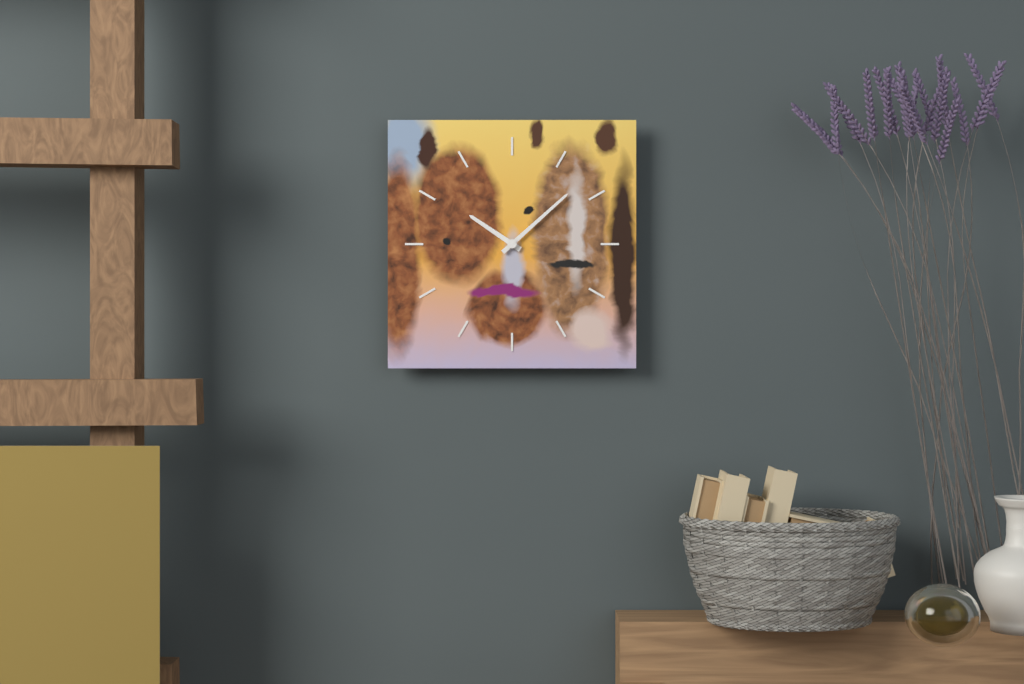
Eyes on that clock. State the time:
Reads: 10:08
